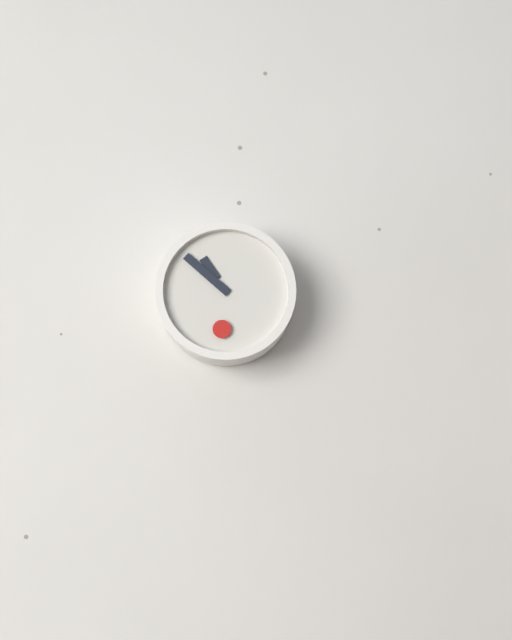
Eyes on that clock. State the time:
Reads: 10:52:31
